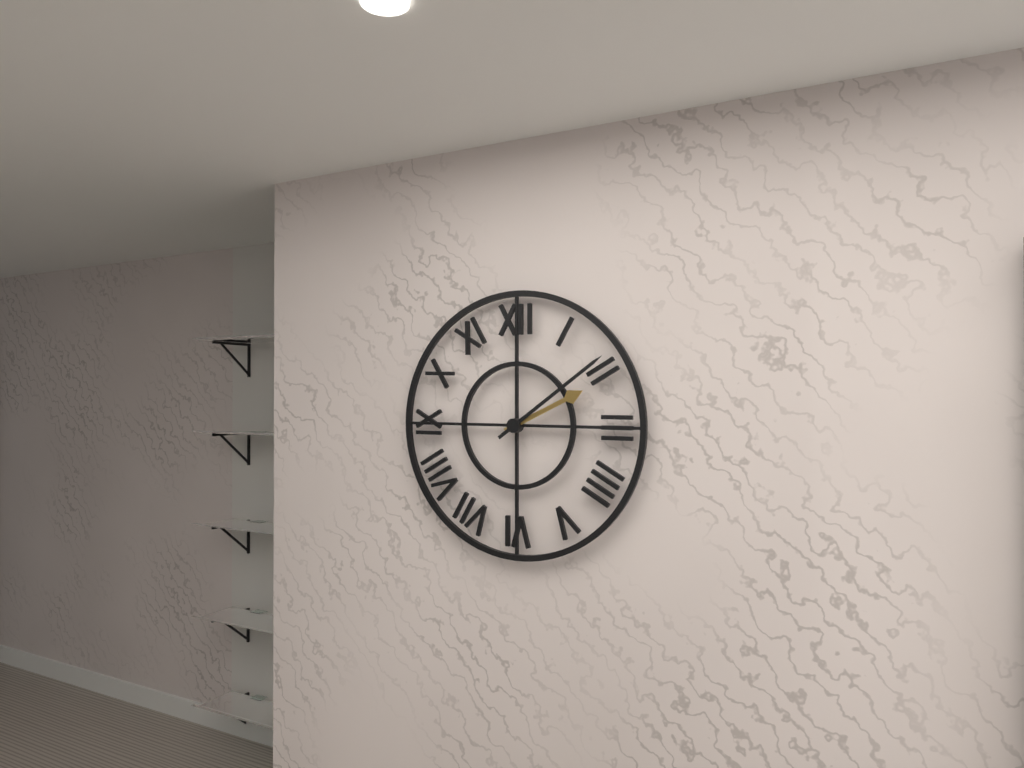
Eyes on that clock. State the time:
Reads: 2:09
